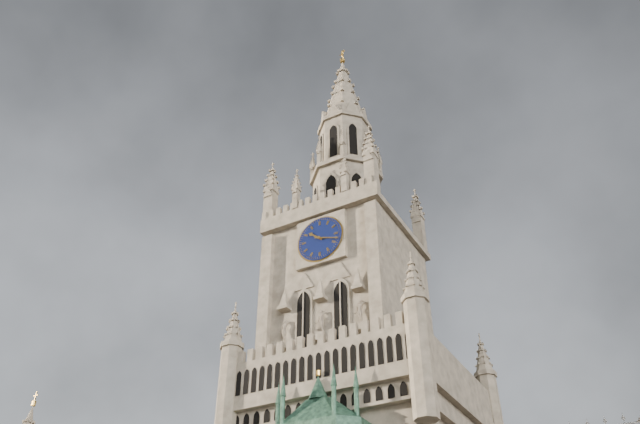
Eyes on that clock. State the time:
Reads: 10:18
